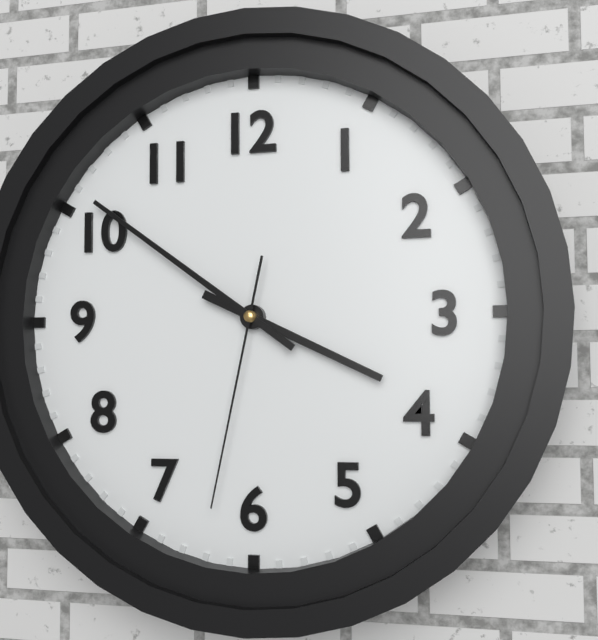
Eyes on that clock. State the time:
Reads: 3:51:32
